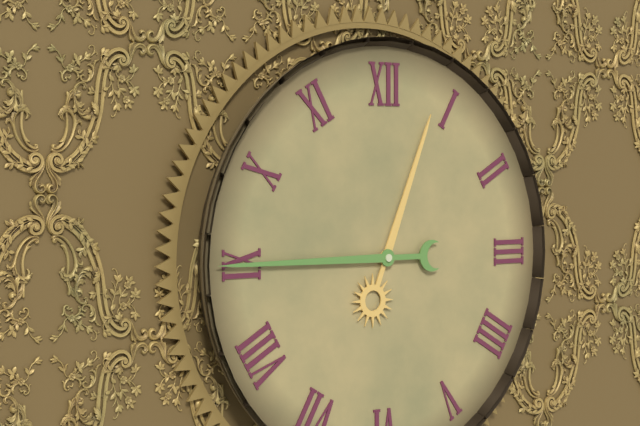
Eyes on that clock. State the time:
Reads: 12:45
